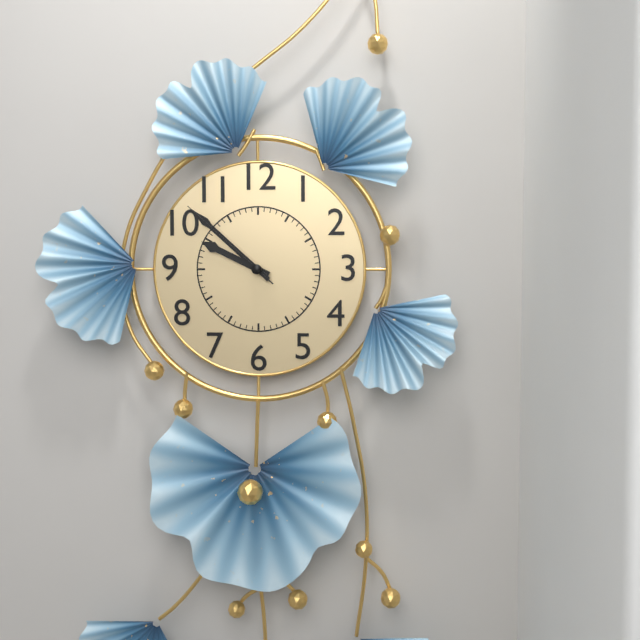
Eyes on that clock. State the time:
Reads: 9:52:52
